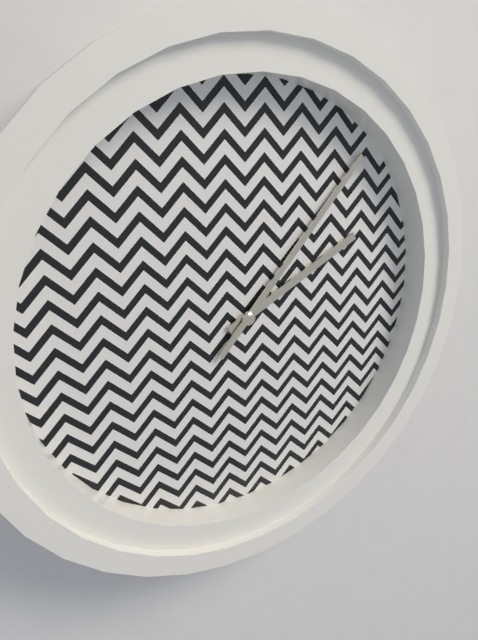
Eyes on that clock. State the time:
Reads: 2:07
